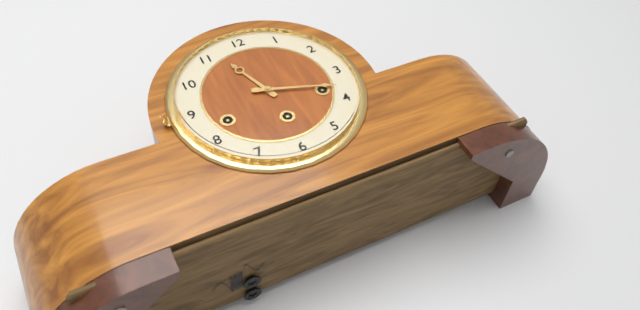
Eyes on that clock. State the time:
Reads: 11:18
